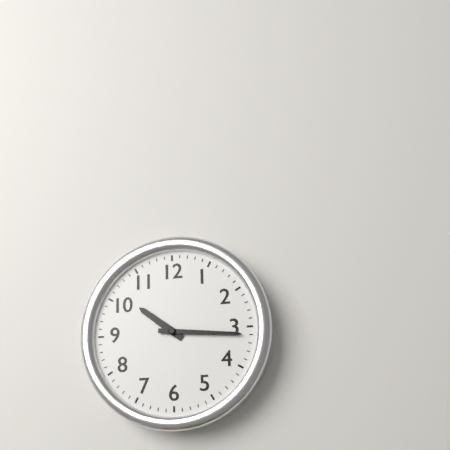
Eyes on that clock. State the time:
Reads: 10:16
